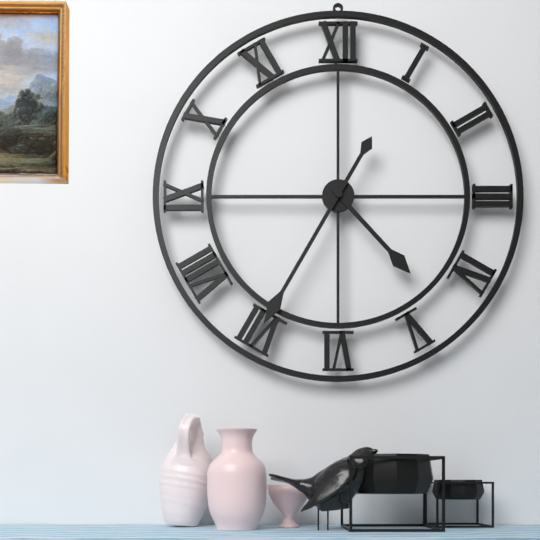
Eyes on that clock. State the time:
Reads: 4:35
